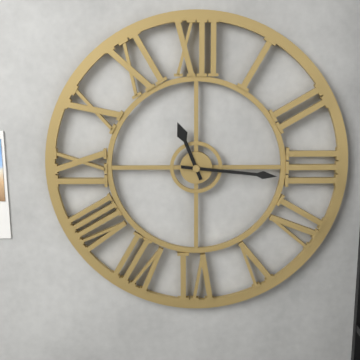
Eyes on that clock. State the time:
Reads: 11:16
